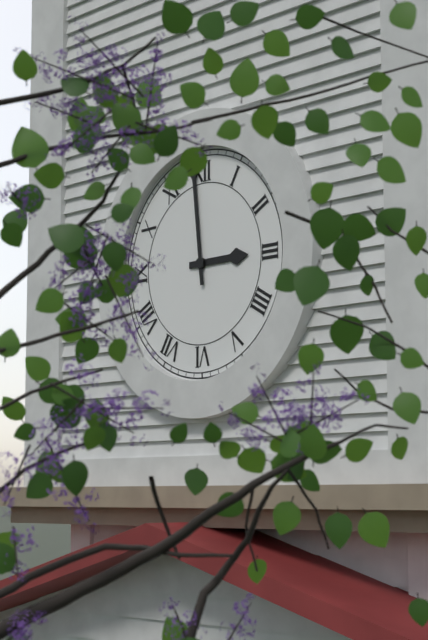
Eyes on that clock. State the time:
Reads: 2:59
